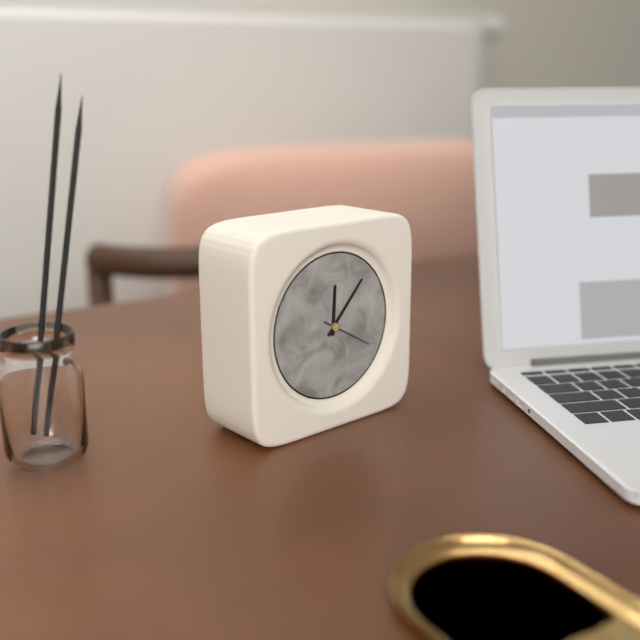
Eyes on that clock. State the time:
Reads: 12:07
